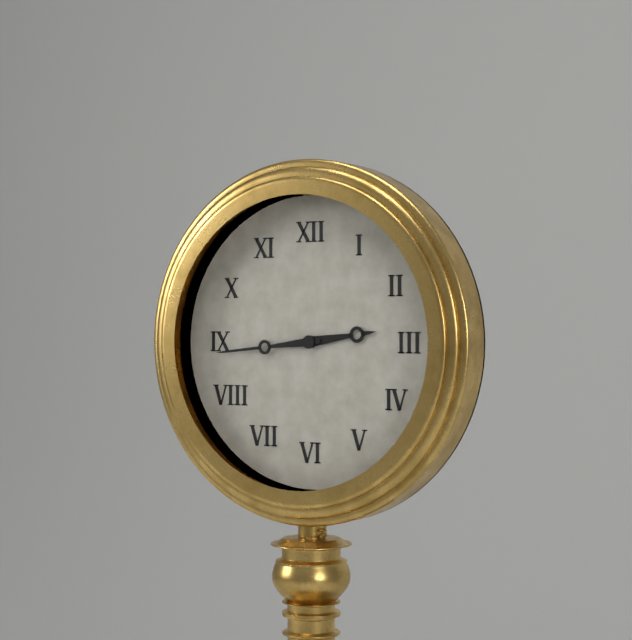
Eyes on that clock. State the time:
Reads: 2:44
